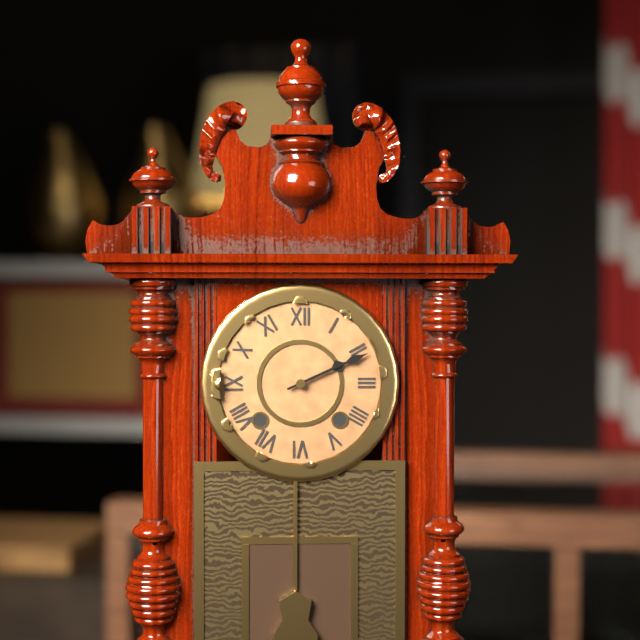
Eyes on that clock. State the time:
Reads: 2:11
